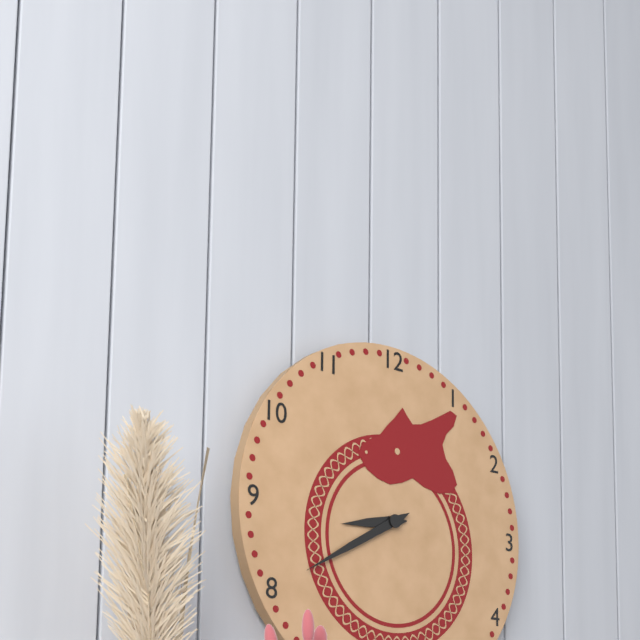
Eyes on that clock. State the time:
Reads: 8:40
